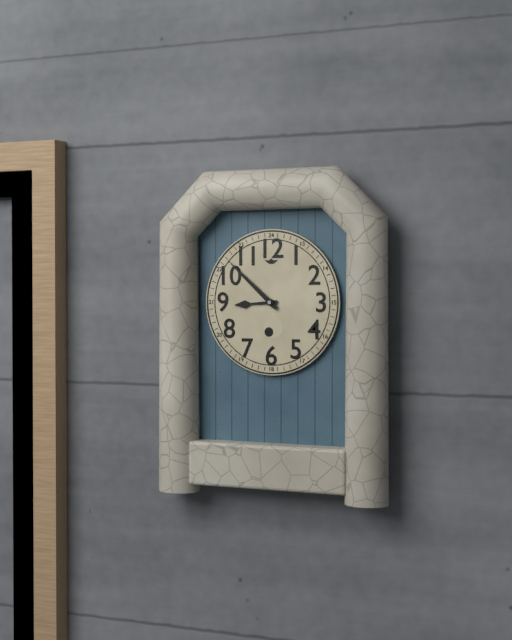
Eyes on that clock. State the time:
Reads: 8:52
